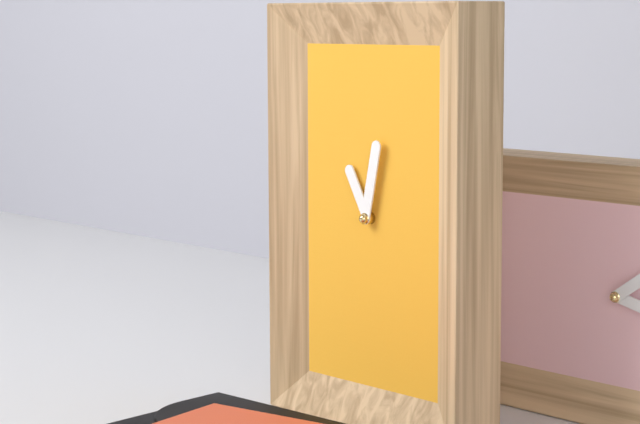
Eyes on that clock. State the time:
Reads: 11:02
